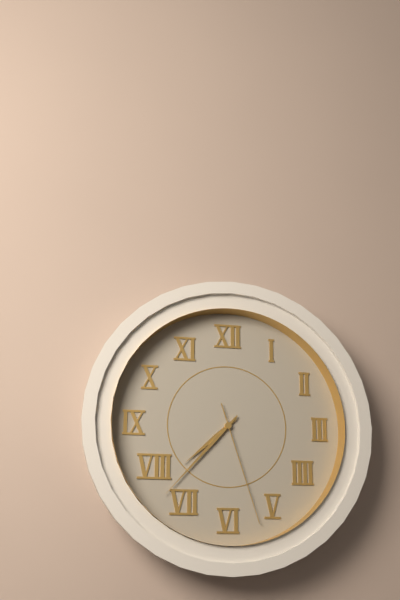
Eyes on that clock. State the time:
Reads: 7:37:27
